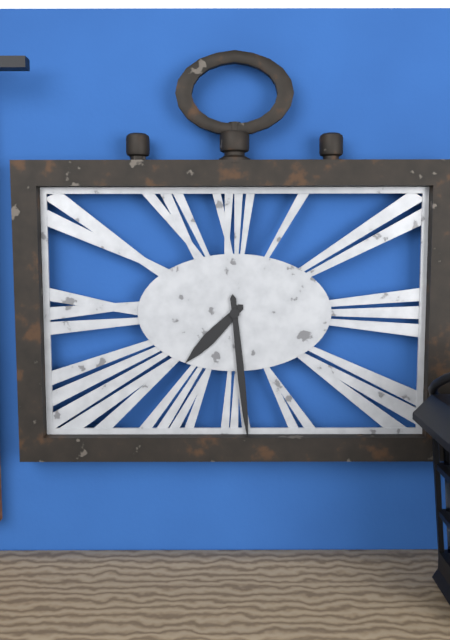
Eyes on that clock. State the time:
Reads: 7:29
